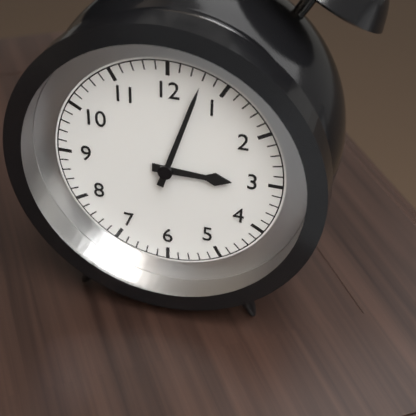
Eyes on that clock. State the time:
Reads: 3:03
